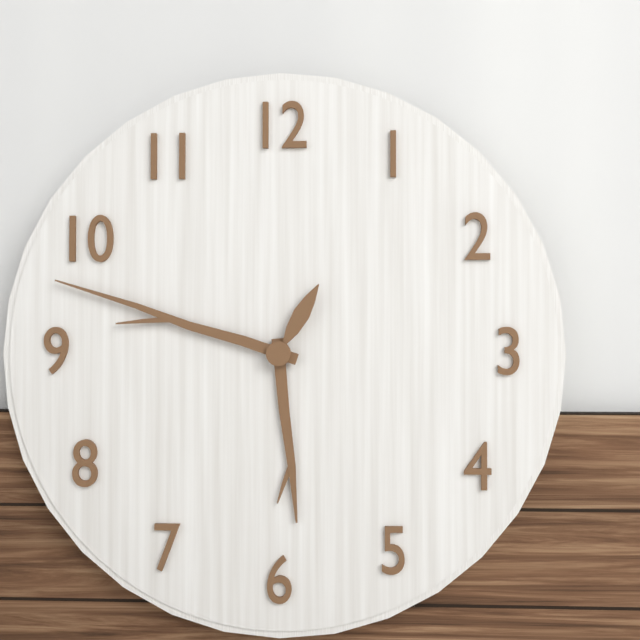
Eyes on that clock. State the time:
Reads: 5:48:05
